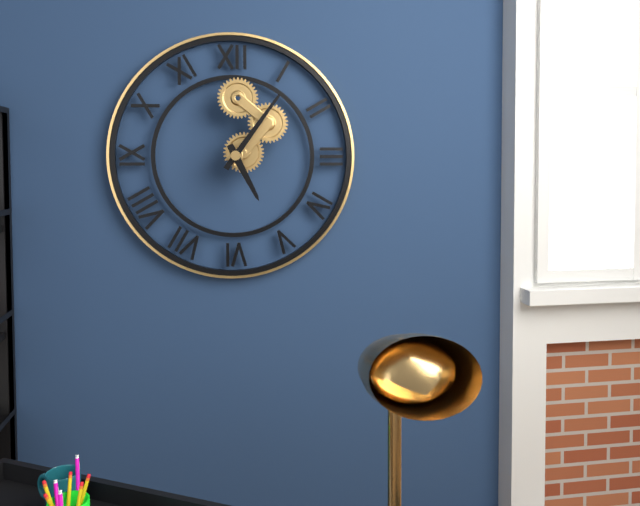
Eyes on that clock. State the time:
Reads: 5:06
